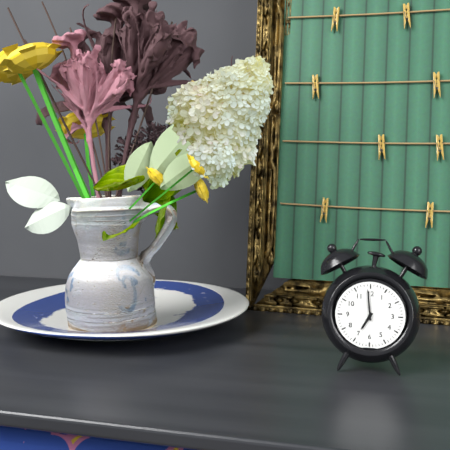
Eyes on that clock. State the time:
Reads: 6:59
